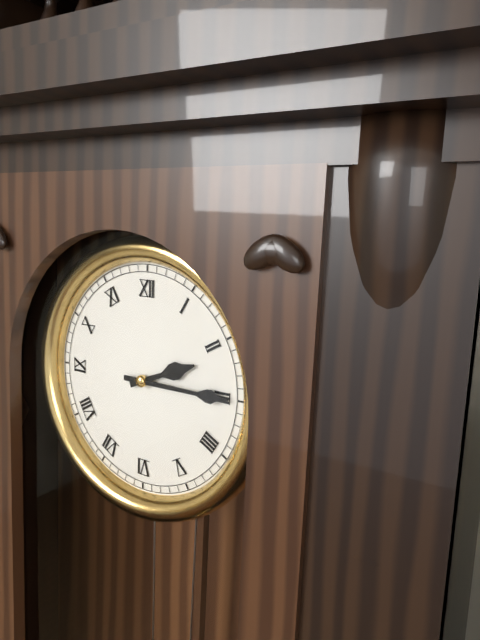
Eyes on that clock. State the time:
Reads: 2:15
